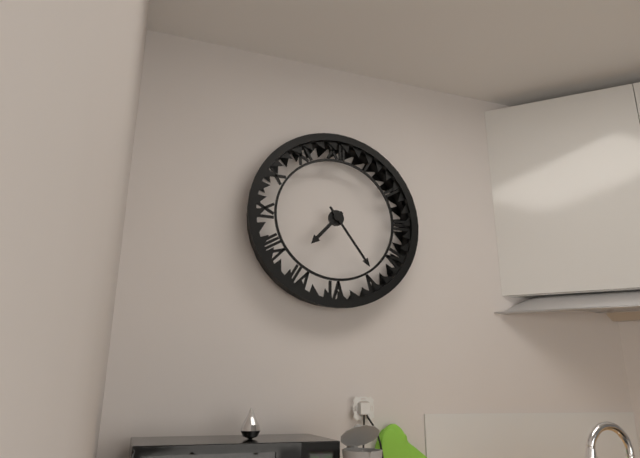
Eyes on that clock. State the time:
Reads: 7:24
